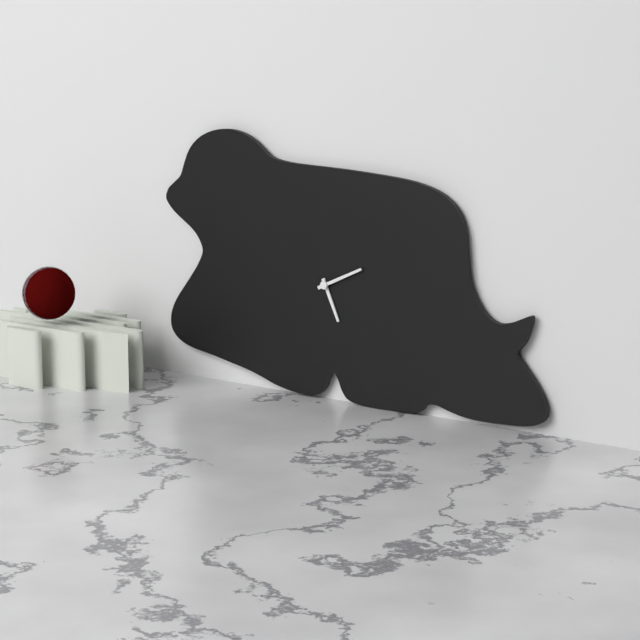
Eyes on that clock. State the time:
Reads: 5:11
